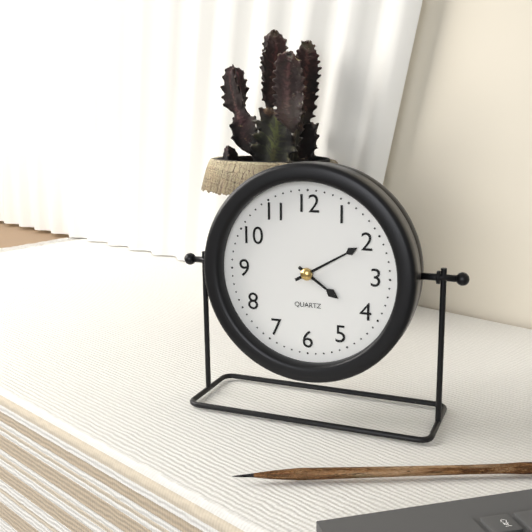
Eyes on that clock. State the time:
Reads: 4:10
